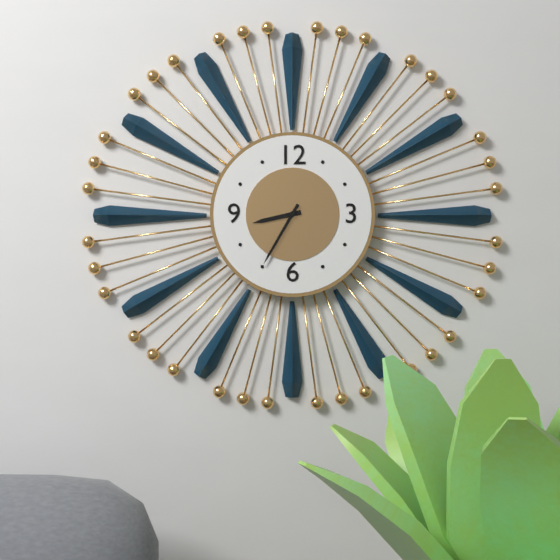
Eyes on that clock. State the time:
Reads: 8:35
